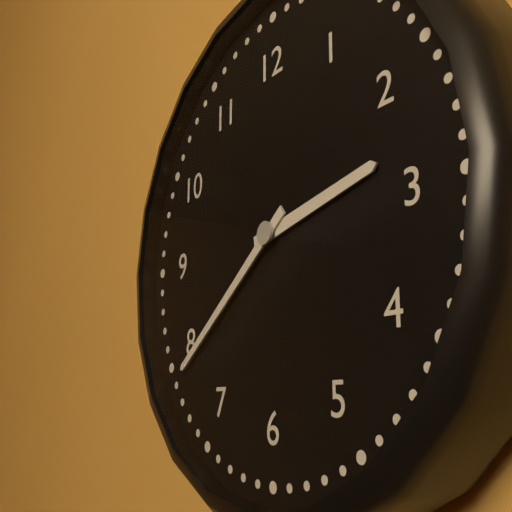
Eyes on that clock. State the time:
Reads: 2:39
